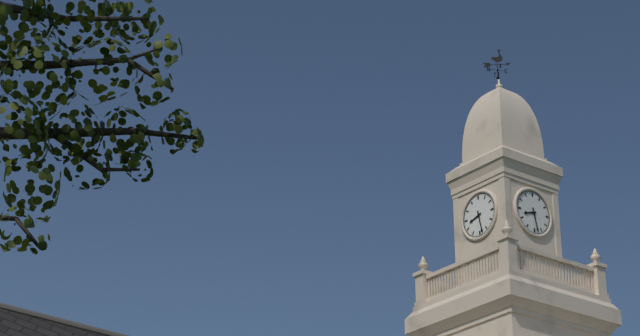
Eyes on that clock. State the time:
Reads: 8:28
